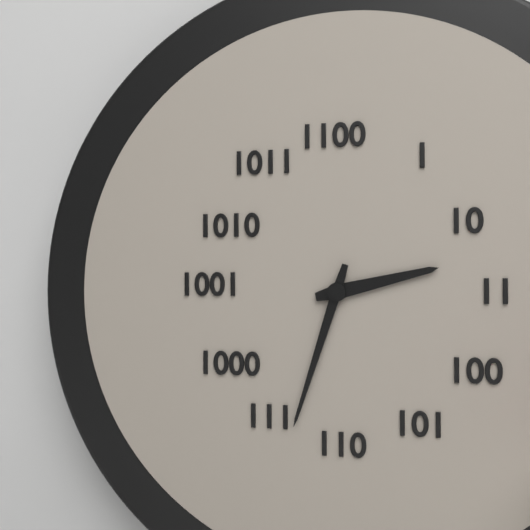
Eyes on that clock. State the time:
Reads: 2:33
